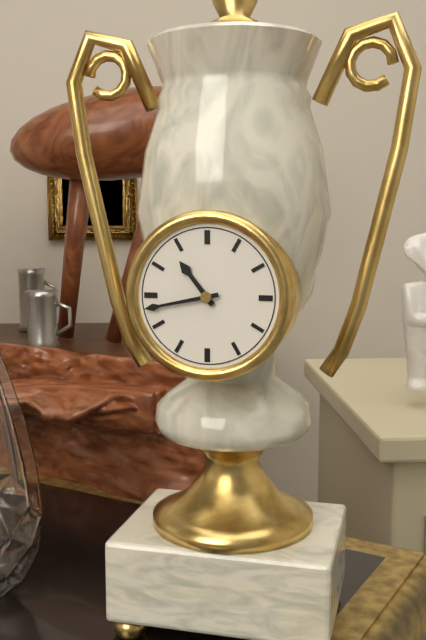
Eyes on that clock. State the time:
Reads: 10:43
